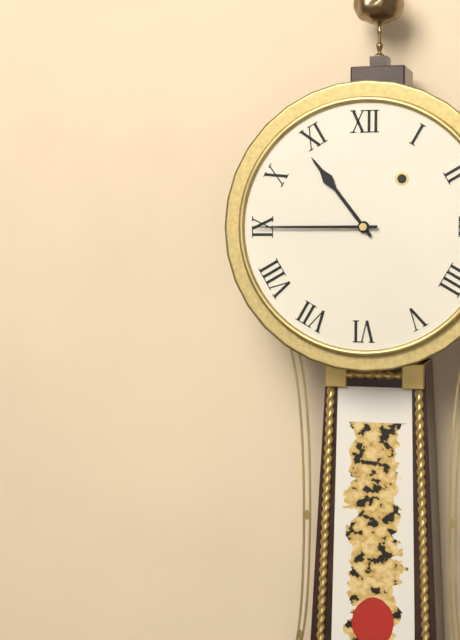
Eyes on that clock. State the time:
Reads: 10:45
